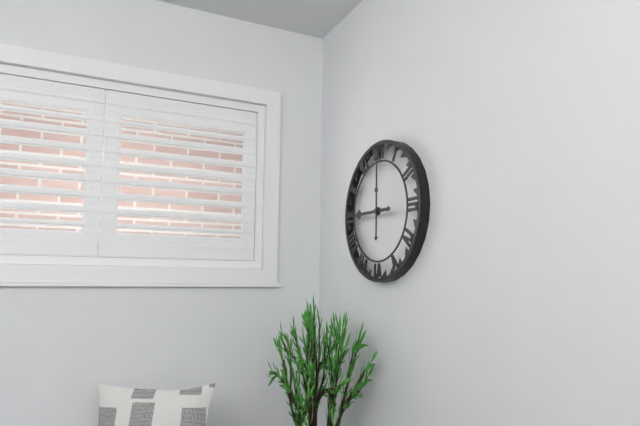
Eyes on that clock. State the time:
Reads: 9:00
